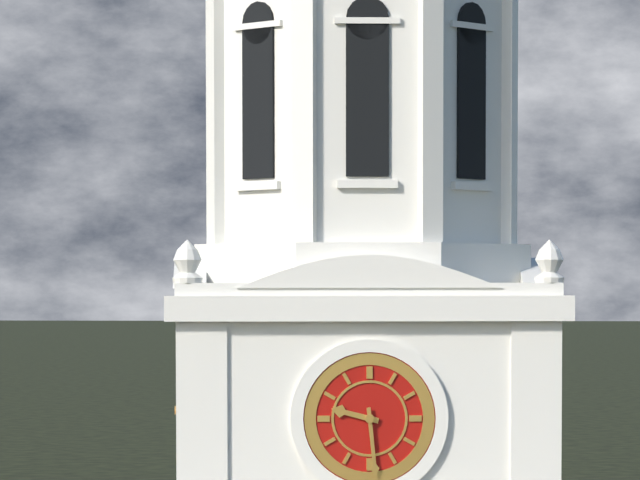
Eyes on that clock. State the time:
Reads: 9:29
